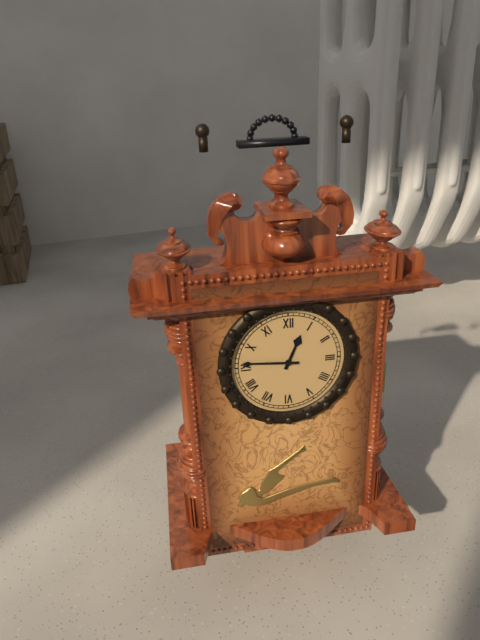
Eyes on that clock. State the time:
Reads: 12:46
